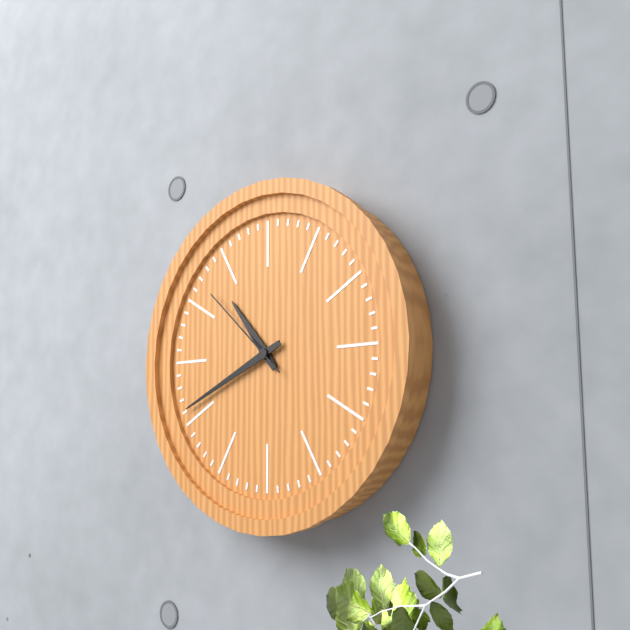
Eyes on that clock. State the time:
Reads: 10:41:52
